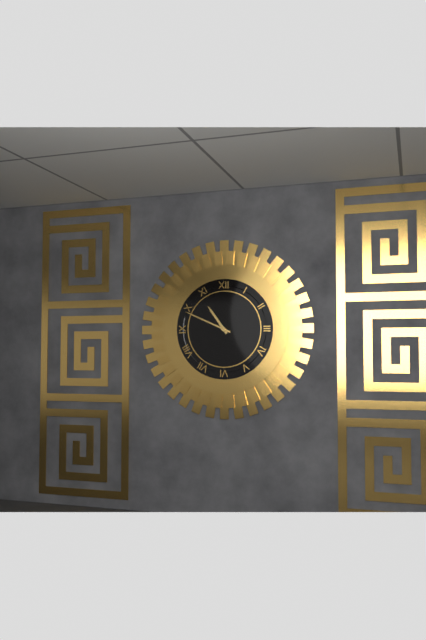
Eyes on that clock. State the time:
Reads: 10:49
